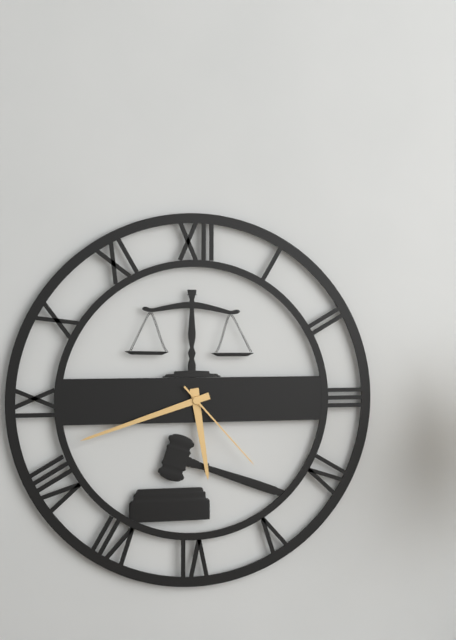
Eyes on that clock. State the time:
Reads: 5:42:23
